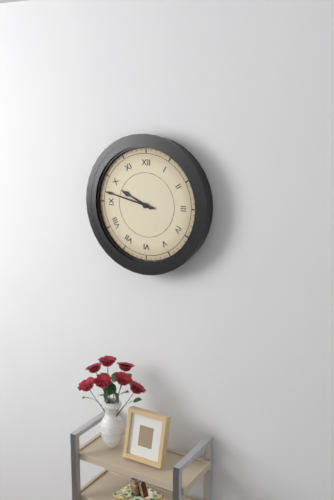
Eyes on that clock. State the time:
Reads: 9:47
